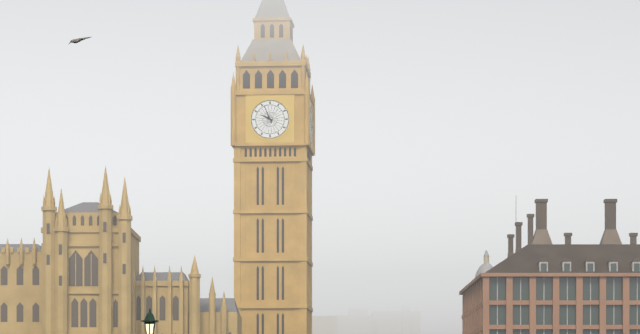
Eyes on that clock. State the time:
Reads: 9:56
